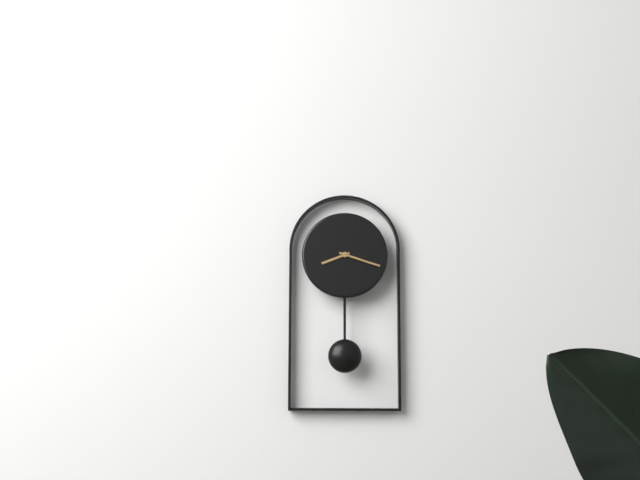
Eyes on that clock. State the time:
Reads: 8:18
